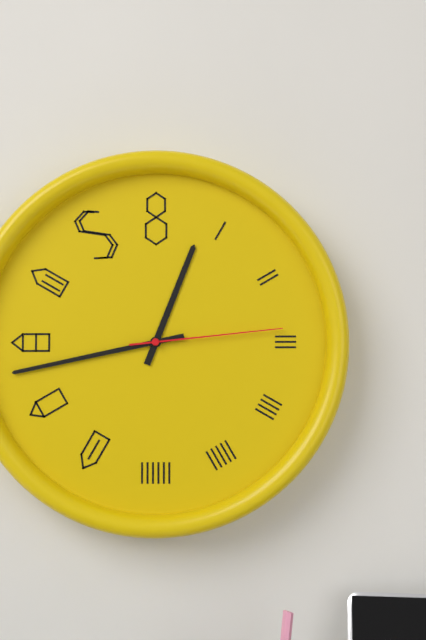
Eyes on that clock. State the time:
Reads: 12:43:14
